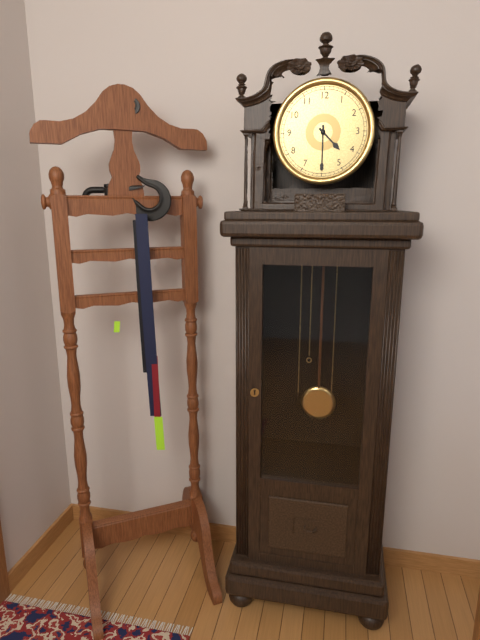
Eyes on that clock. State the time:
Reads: 4:30
